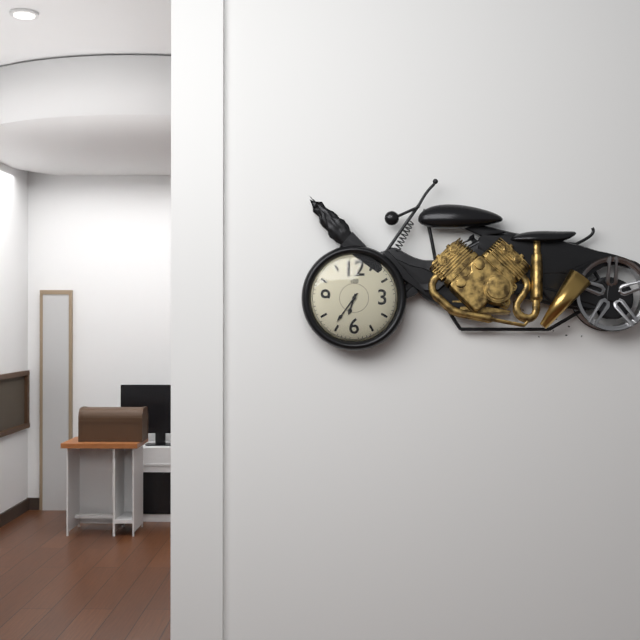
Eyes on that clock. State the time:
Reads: 6:36
